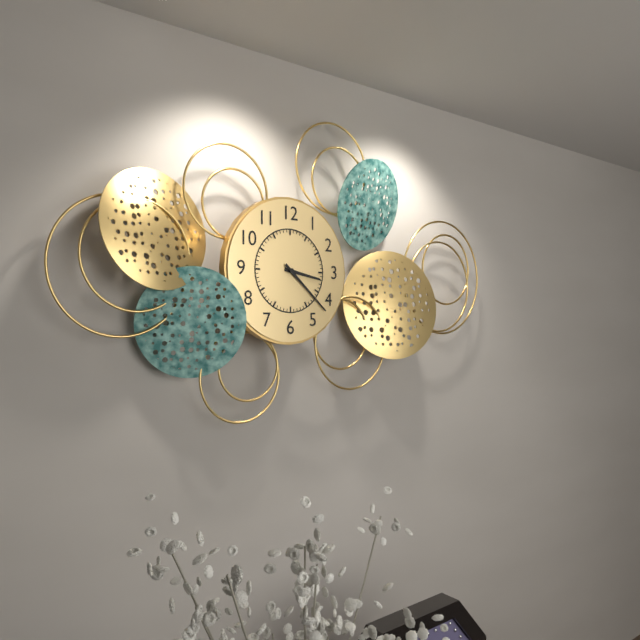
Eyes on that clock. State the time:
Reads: 3:22
